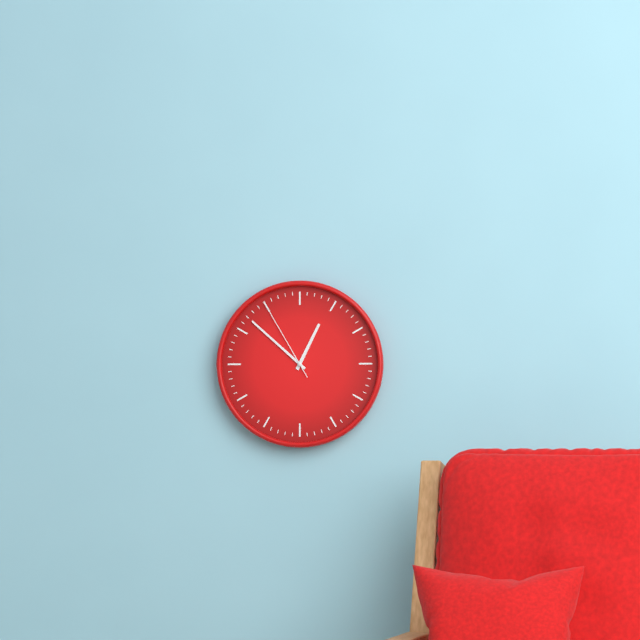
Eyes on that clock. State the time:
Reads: 12:52:55
